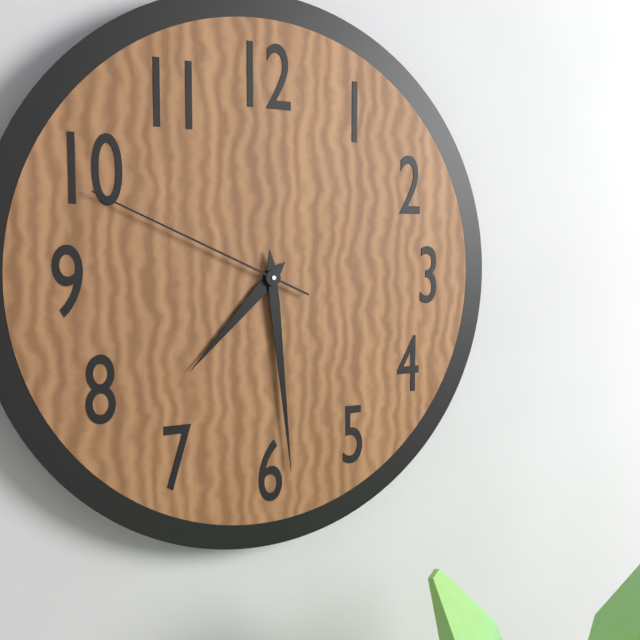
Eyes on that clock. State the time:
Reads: 7:29:49
